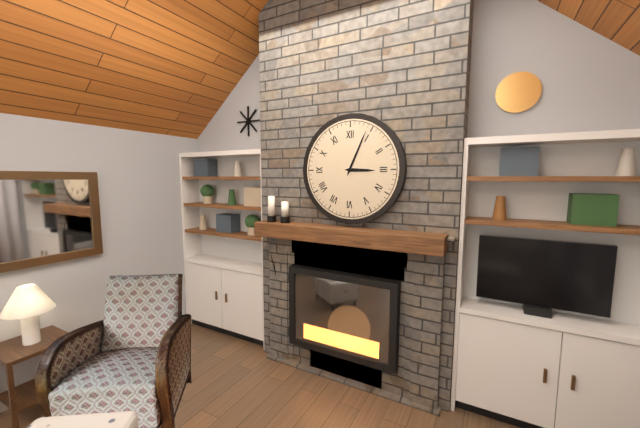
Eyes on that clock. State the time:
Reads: 3:04
